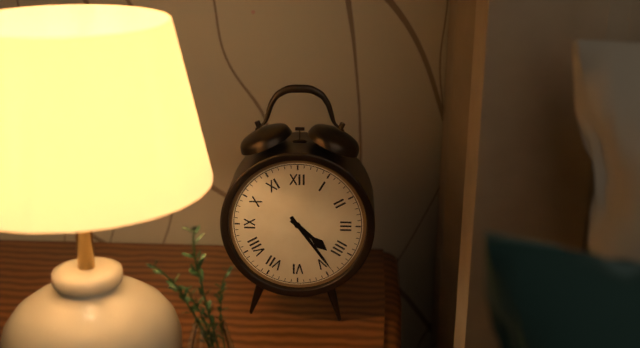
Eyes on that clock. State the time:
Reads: 4:24
